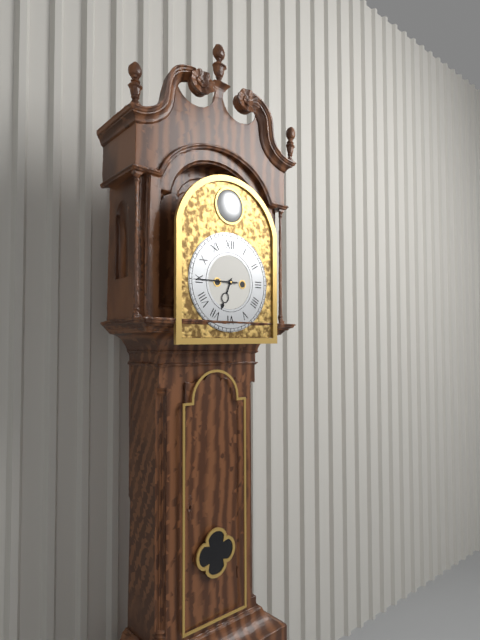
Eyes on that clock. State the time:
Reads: 6:45
